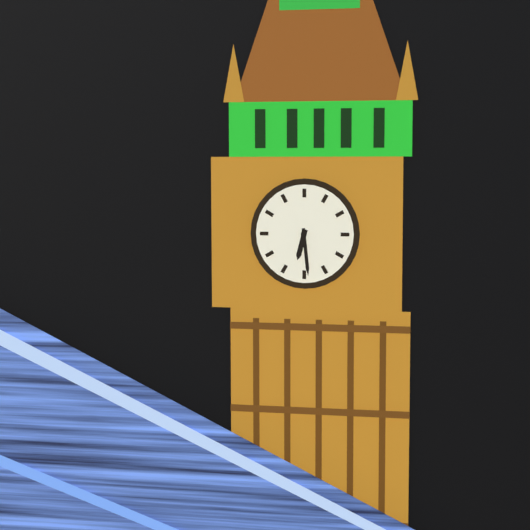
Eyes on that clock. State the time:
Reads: 6:29
